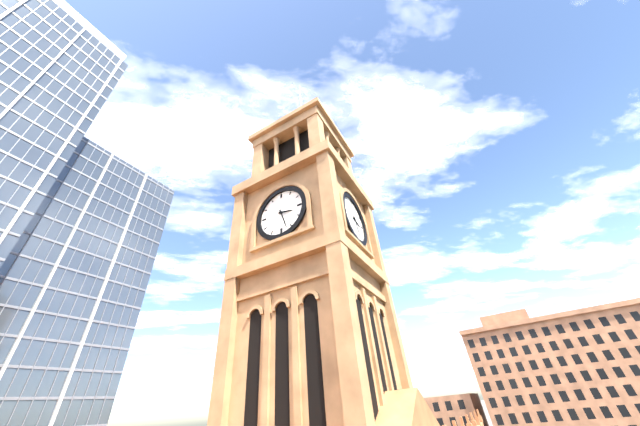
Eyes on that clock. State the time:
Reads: 3:27
